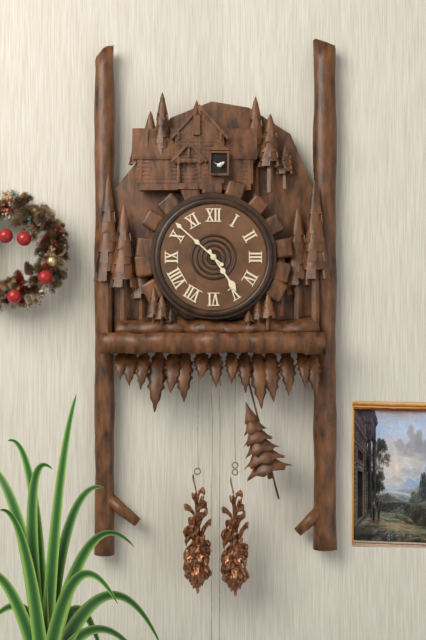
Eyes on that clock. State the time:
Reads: 4:52
